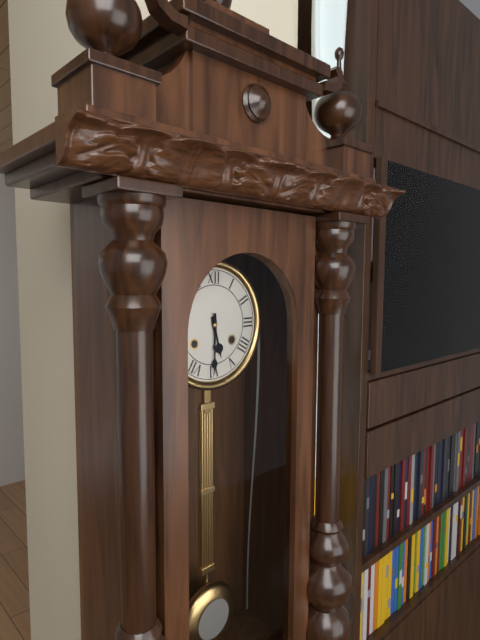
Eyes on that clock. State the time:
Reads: 5:30
